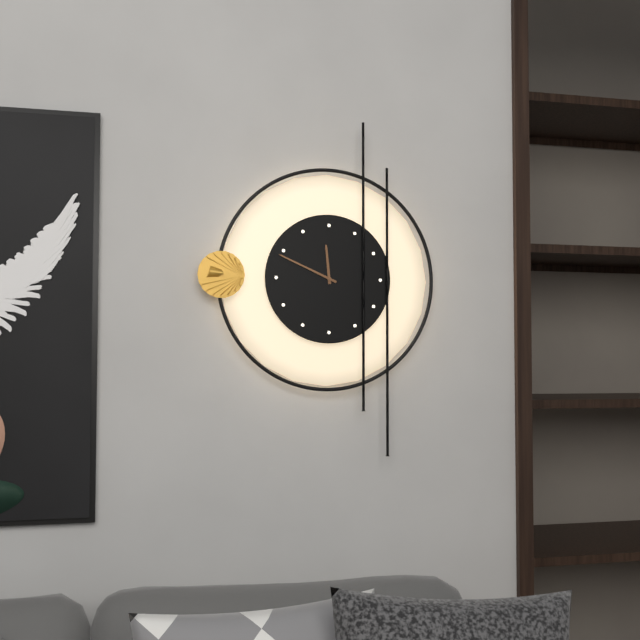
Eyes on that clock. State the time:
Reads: 11:49
